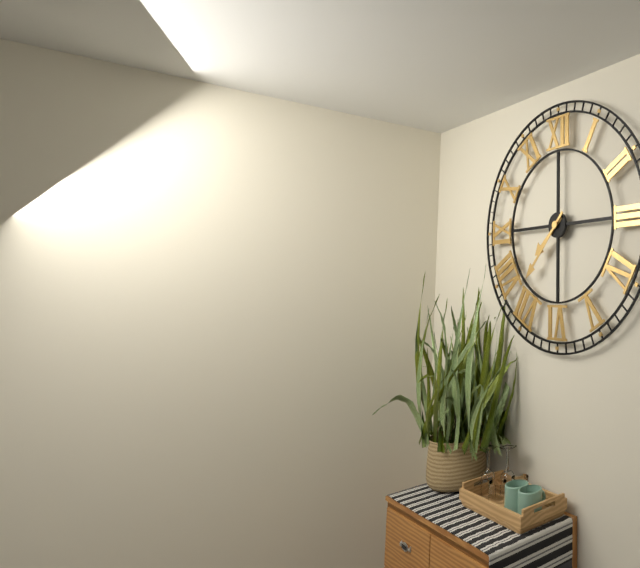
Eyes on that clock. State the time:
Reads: 7:37
